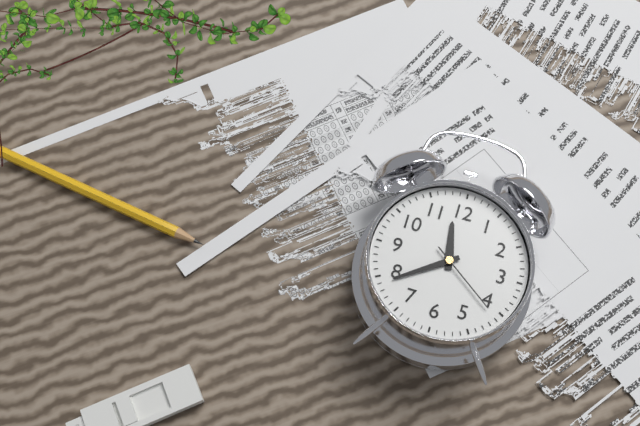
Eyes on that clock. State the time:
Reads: 11:39:21
